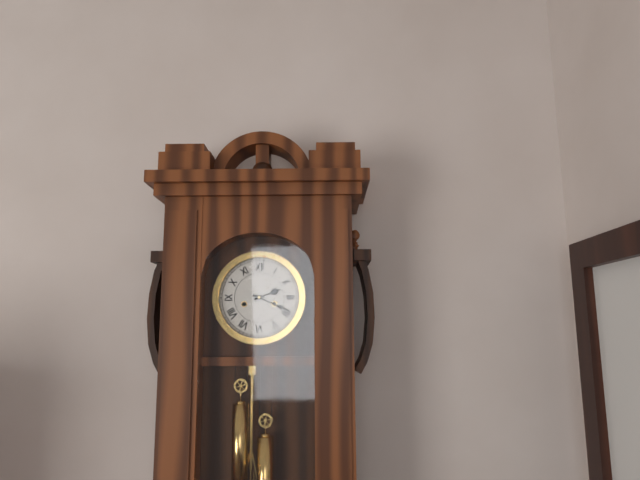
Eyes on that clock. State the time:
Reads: 2:19
